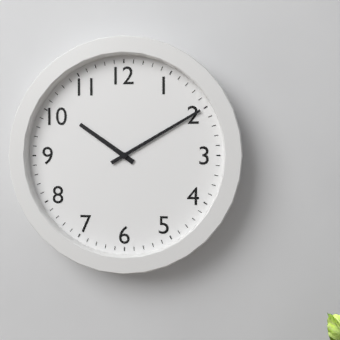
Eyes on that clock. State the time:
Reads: 10:10
